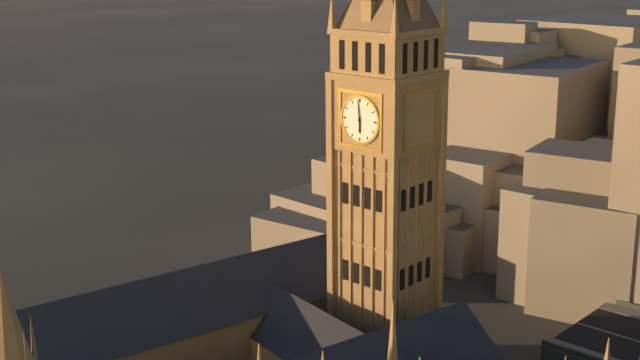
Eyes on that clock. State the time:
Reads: 5:59
